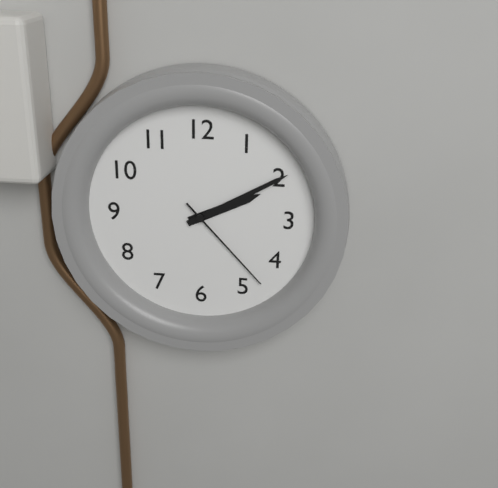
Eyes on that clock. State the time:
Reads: 2:10:23
